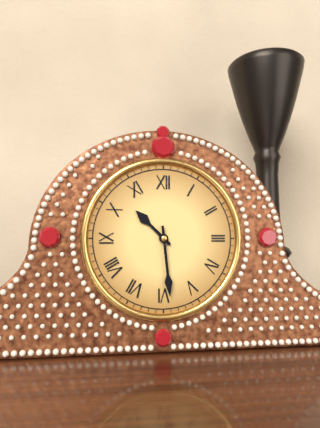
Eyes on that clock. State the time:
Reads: 10:29
